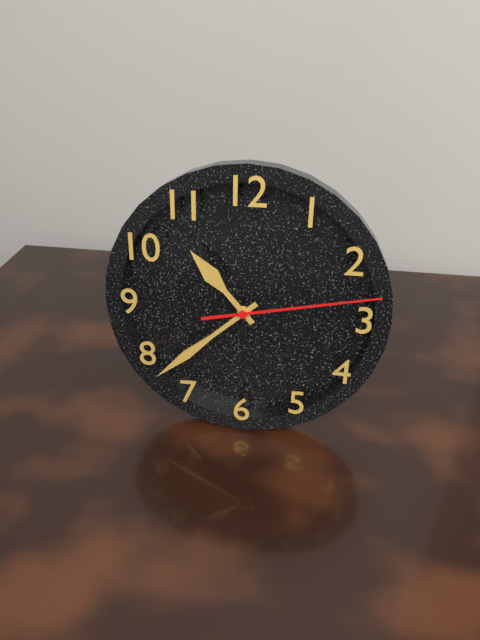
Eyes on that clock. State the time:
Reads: 10:38:13
